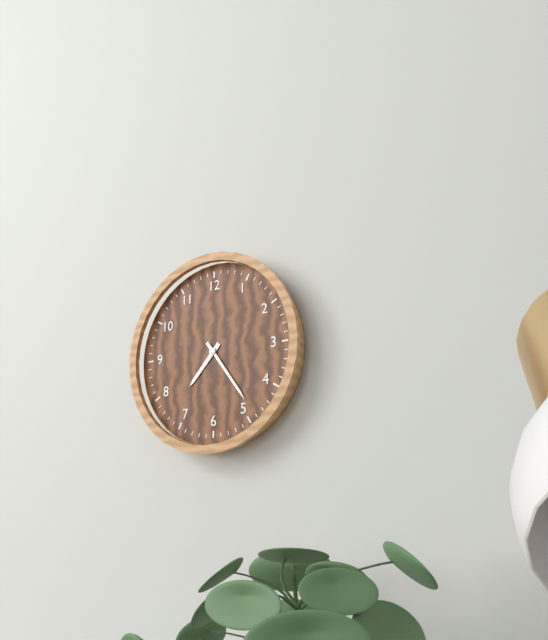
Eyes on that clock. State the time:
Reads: 7:24
